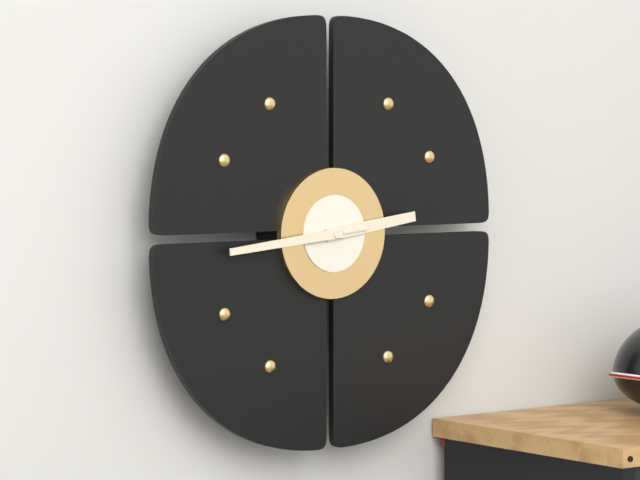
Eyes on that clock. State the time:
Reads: 2:44
